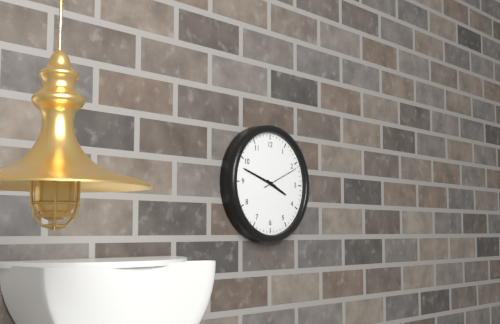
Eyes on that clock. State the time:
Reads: 3:48
